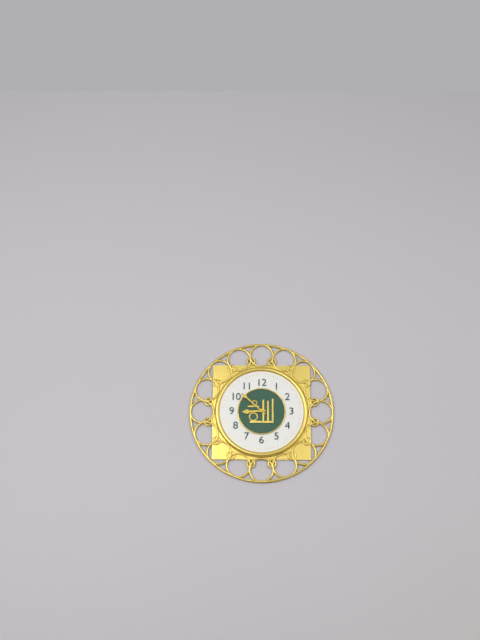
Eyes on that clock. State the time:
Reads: 8:52
